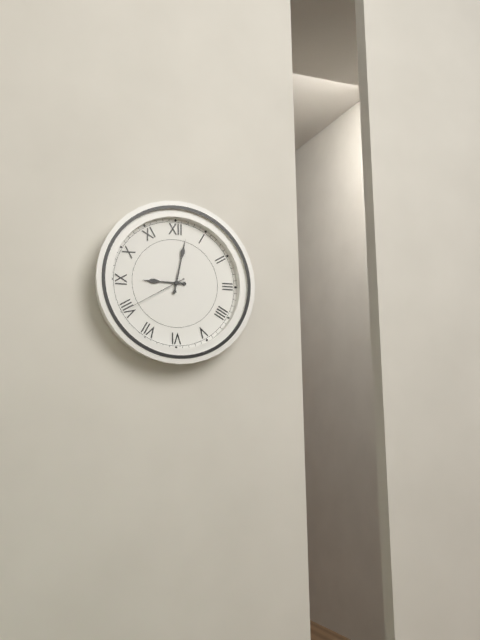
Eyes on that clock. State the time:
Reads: 9:02:40
